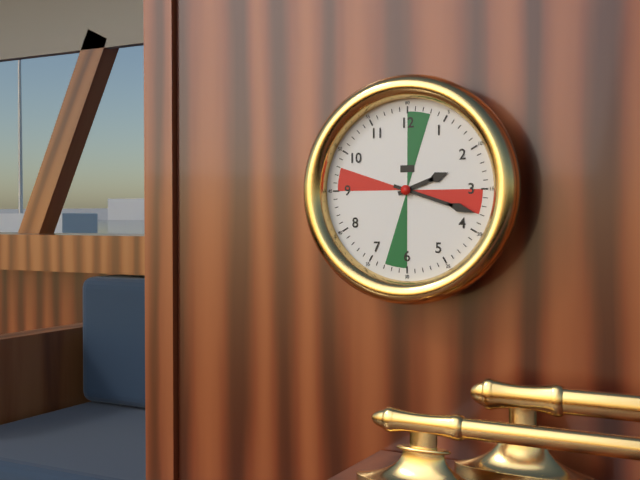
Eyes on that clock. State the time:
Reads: 2:18
